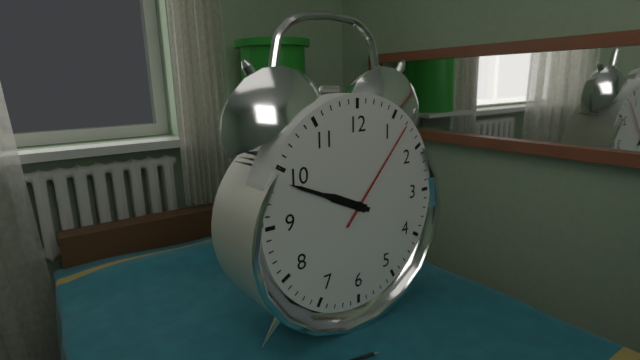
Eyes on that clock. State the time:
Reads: 9:49:07
